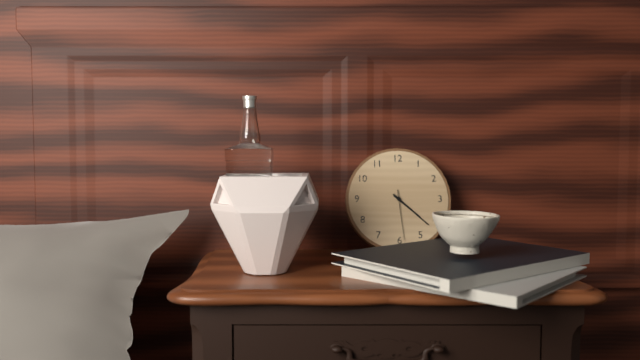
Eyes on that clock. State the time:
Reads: 4:22:29
